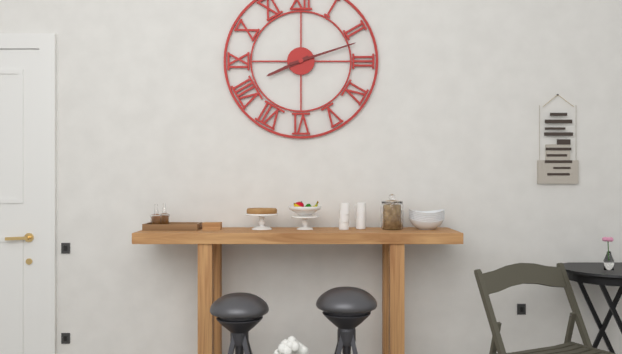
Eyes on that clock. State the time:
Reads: 8:12
